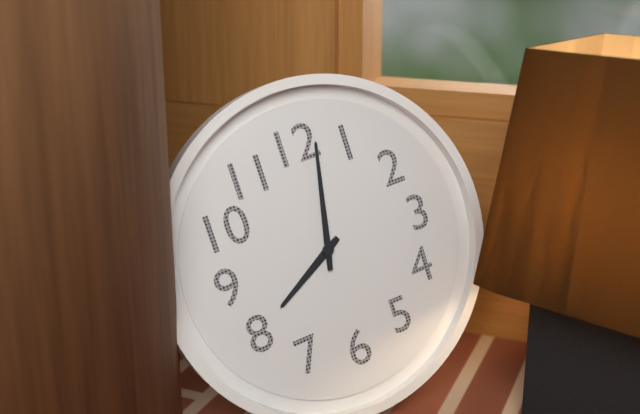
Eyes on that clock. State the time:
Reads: 8:02
